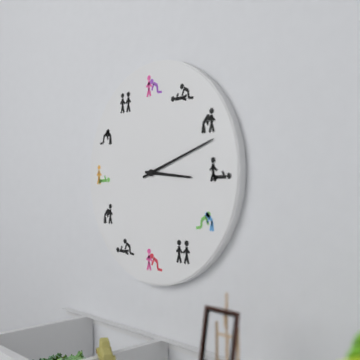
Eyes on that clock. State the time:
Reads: 3:12
